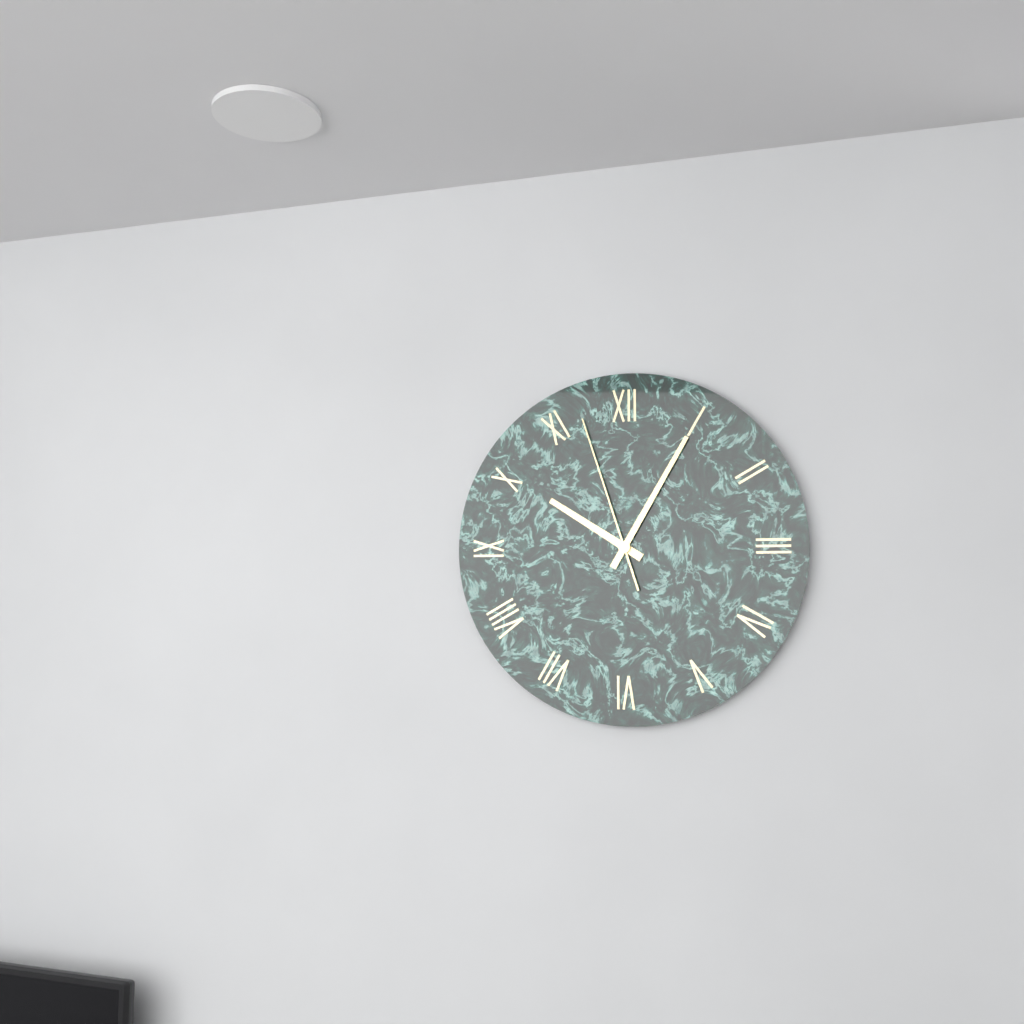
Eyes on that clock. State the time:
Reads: 10:05:57
